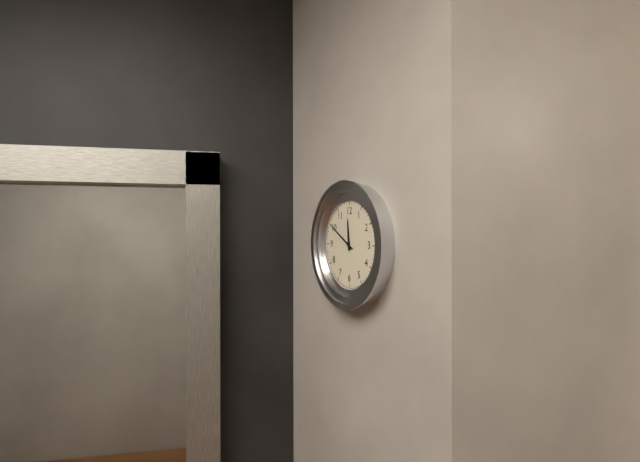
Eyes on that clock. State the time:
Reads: 11:50
